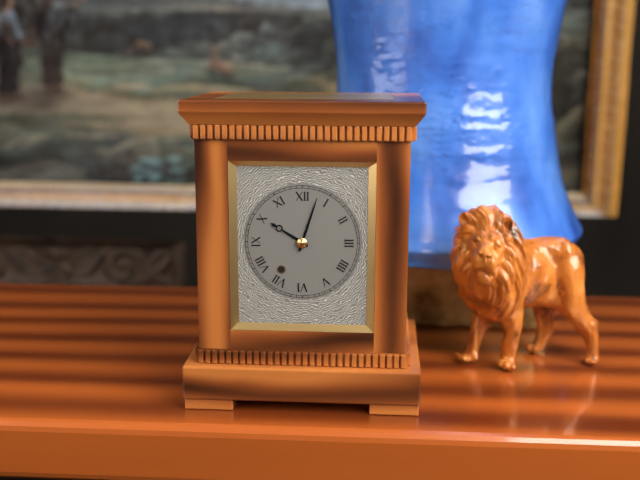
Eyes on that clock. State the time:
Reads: 10:03
